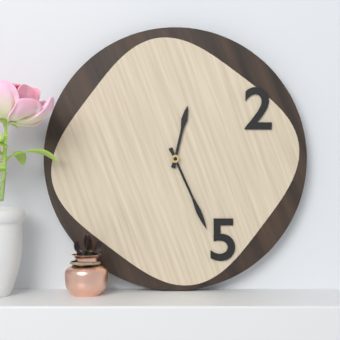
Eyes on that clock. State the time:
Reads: 12:26
